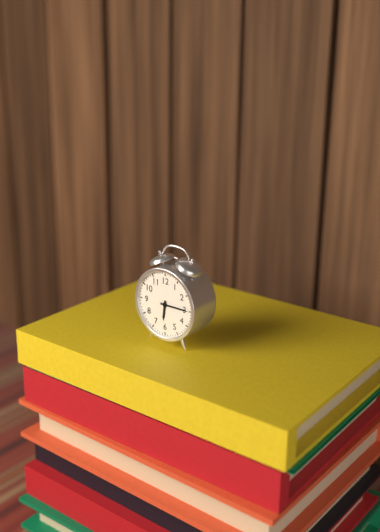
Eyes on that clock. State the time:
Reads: 6:15
